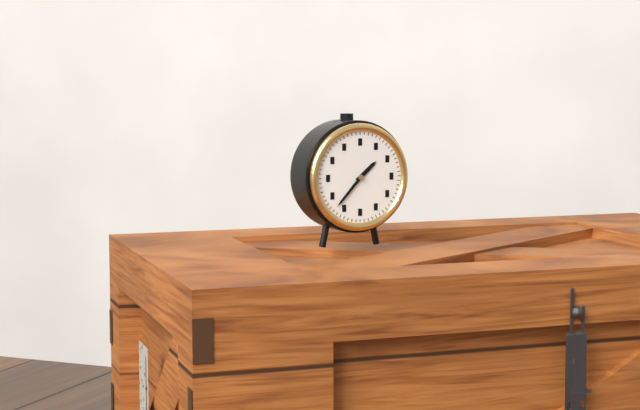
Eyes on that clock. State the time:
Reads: 1:37
